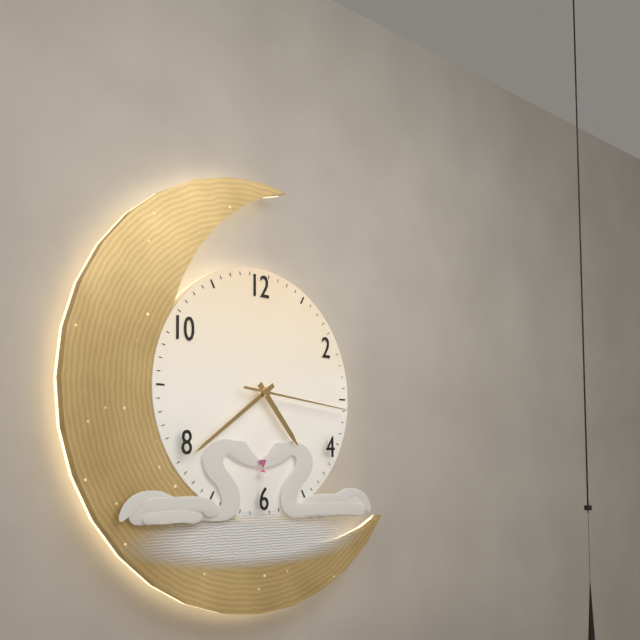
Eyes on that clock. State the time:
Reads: 4:39:16
